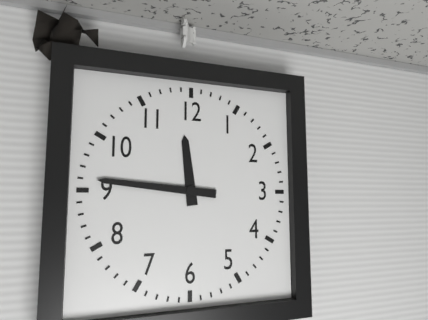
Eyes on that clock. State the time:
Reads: 11:46
